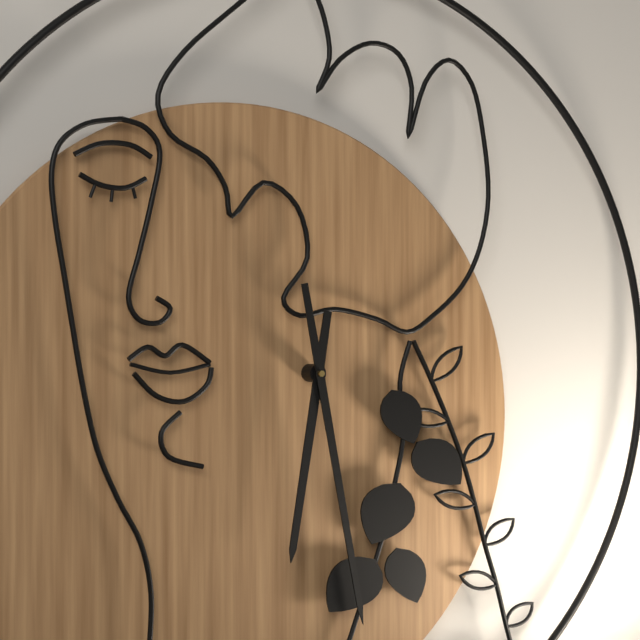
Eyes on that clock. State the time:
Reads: 6:29
